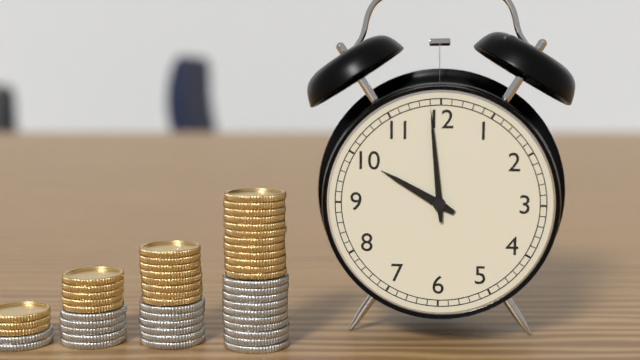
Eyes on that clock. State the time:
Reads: 9:59
